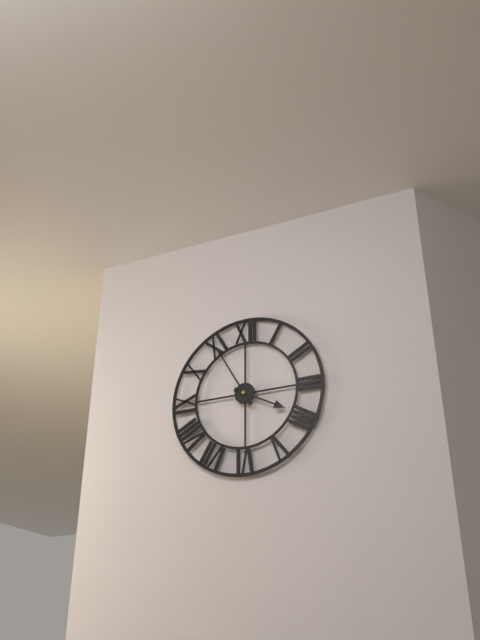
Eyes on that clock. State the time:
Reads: 3:55
